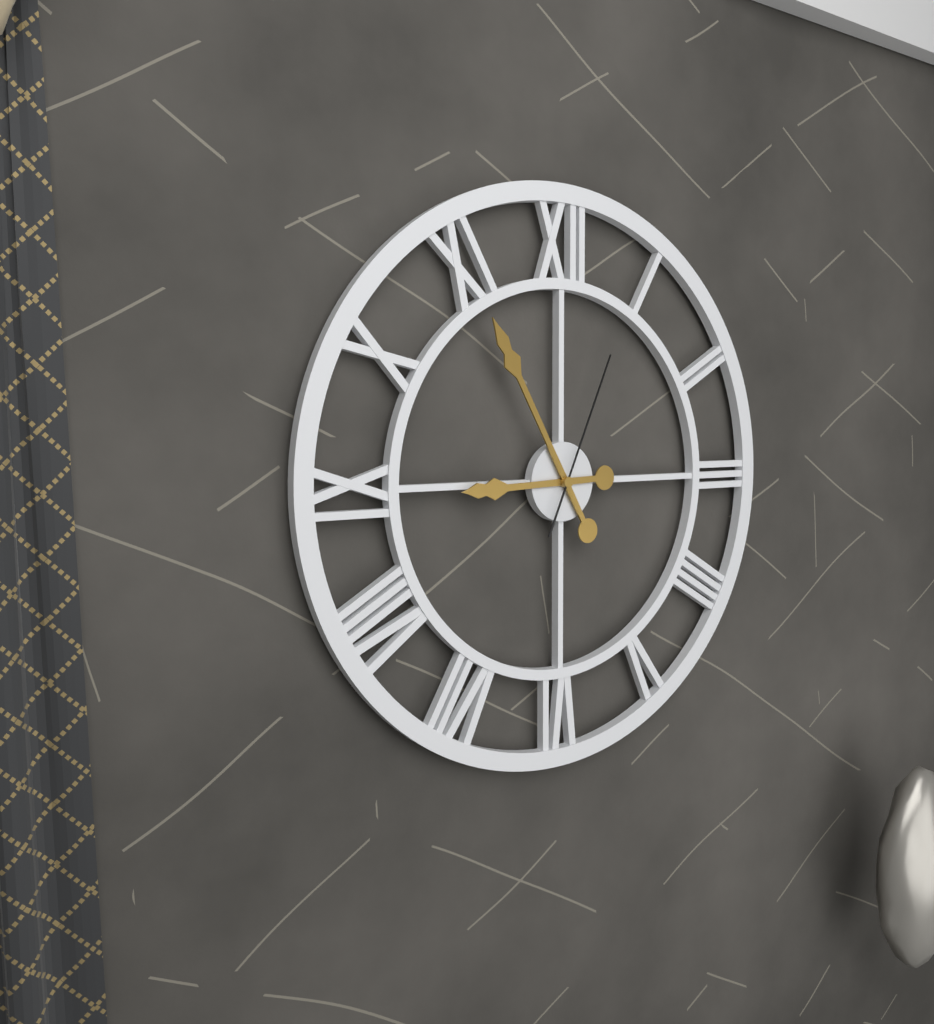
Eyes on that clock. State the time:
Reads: 8:55:04
